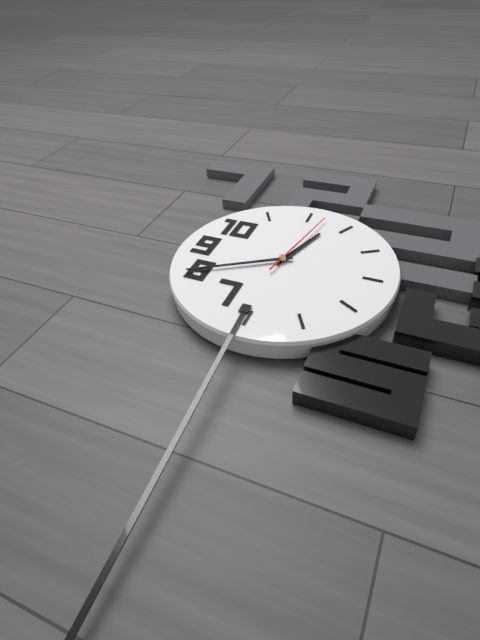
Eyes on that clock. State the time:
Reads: 12:40:02
